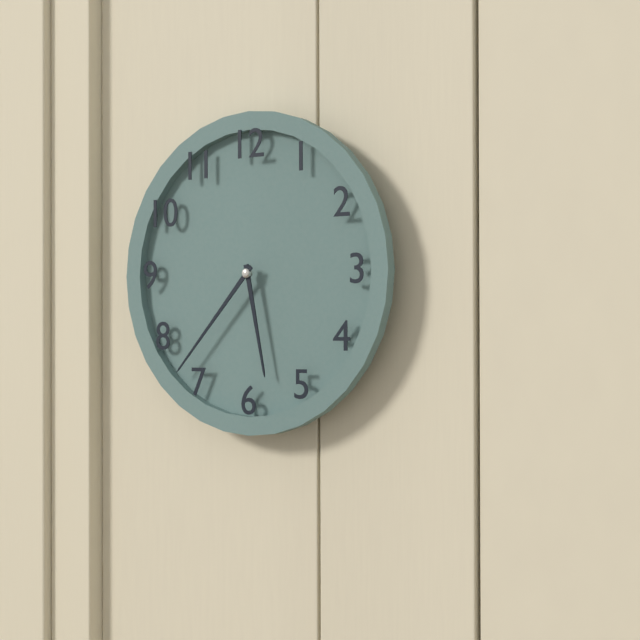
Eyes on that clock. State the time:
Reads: 5:37
